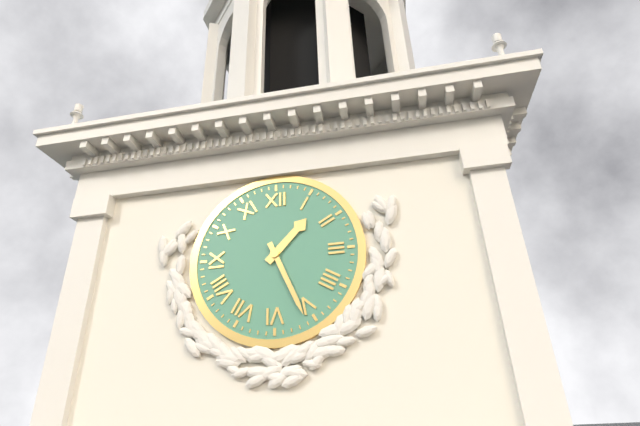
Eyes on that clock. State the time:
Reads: 1:26
